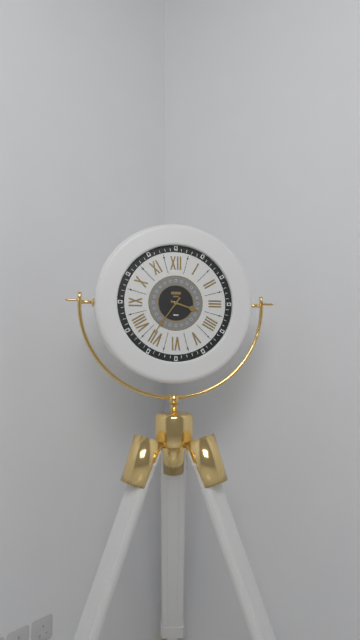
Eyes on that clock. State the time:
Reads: 3:36
